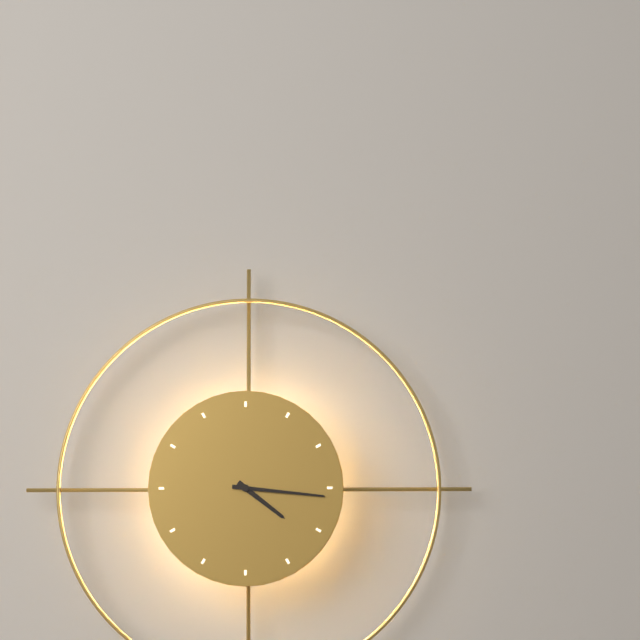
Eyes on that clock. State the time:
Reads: 4:16
